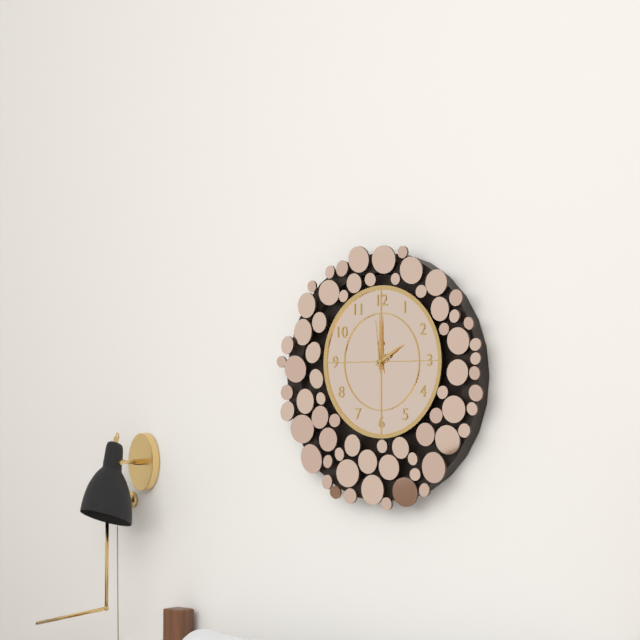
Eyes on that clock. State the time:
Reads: 2:00:59
